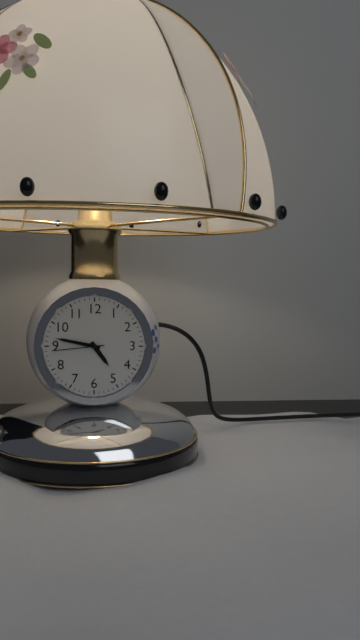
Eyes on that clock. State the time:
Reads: 4:47:44
